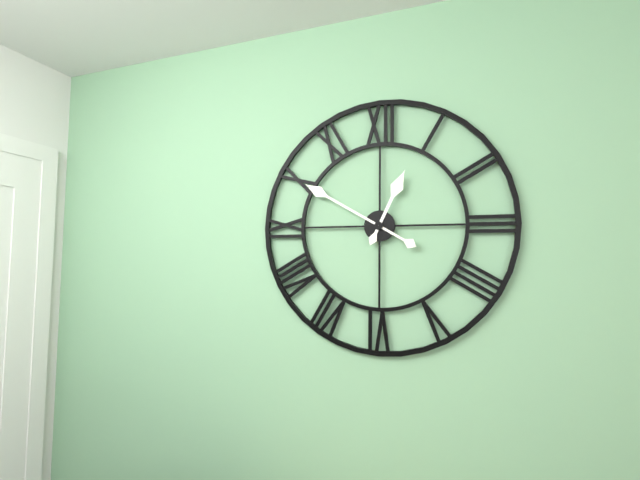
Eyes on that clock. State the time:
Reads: 12:50
